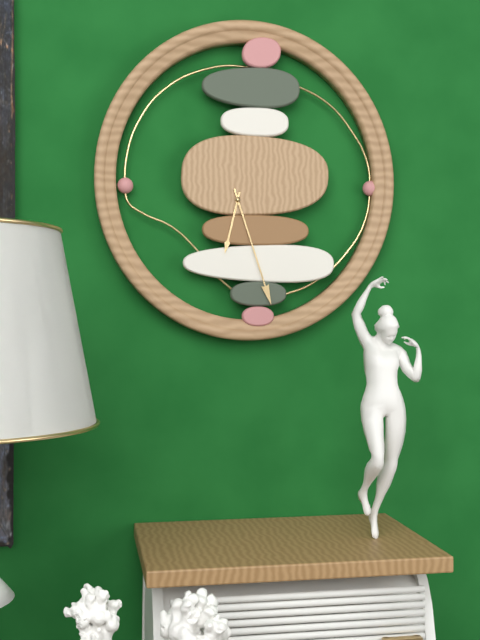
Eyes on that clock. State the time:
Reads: 6:27
